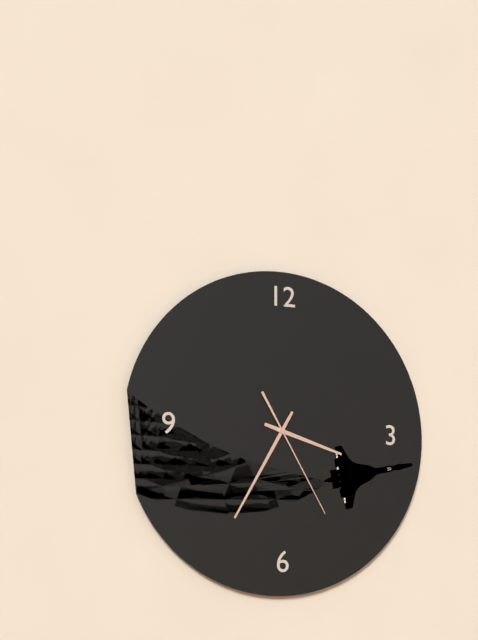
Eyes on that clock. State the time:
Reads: 3:35:25
